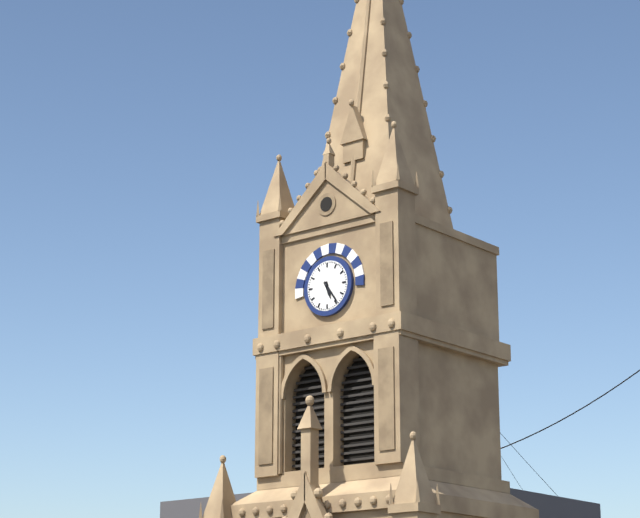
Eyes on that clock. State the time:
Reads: 5:24
